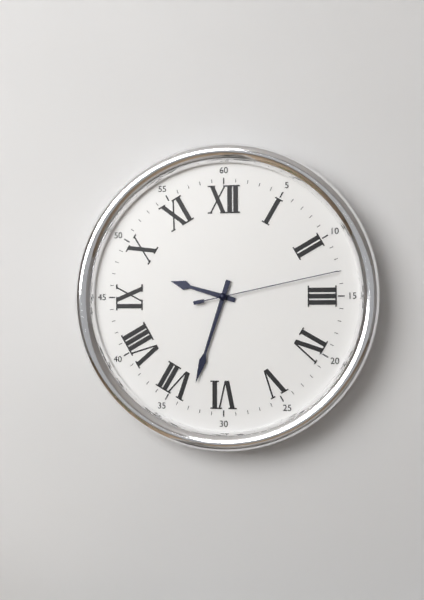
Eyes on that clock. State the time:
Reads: 9:33:13
